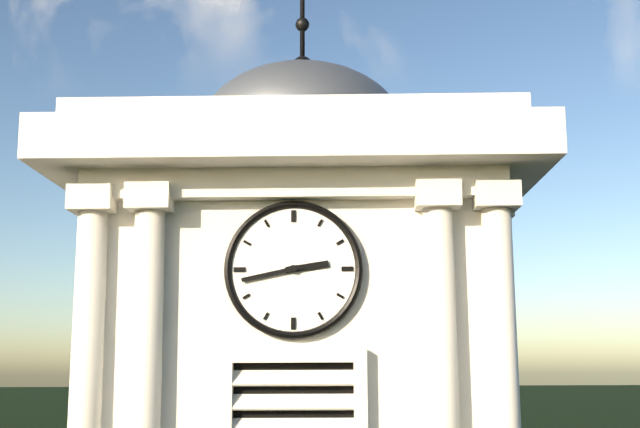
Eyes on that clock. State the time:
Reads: 2:43
